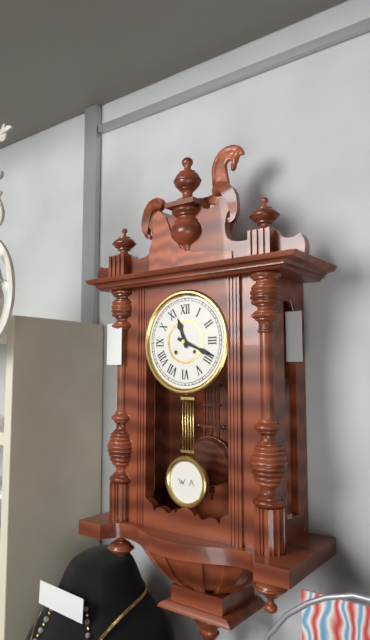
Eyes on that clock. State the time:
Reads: 11:19
